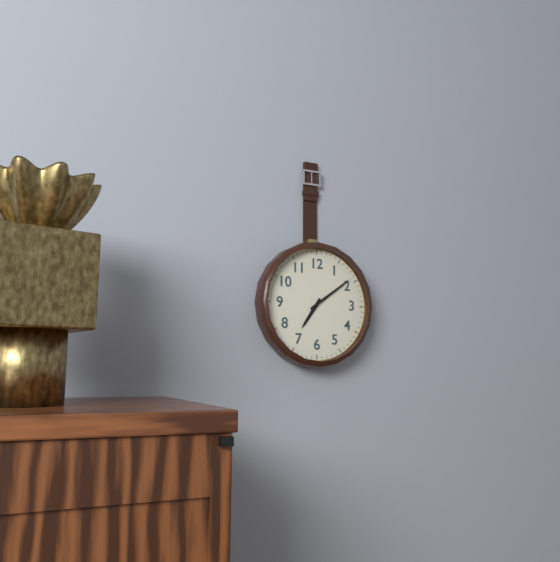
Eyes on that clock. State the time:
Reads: 7:09
